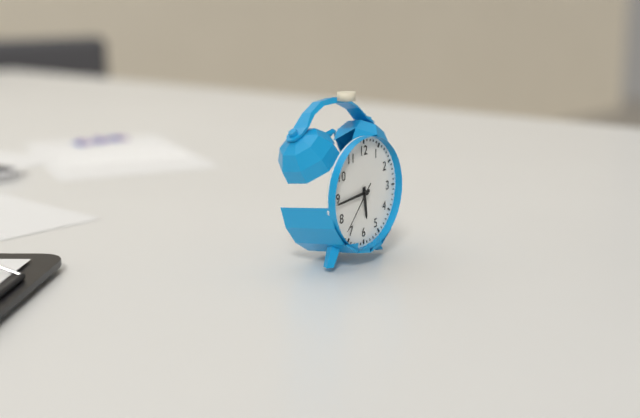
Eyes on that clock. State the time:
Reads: 5:44:37
